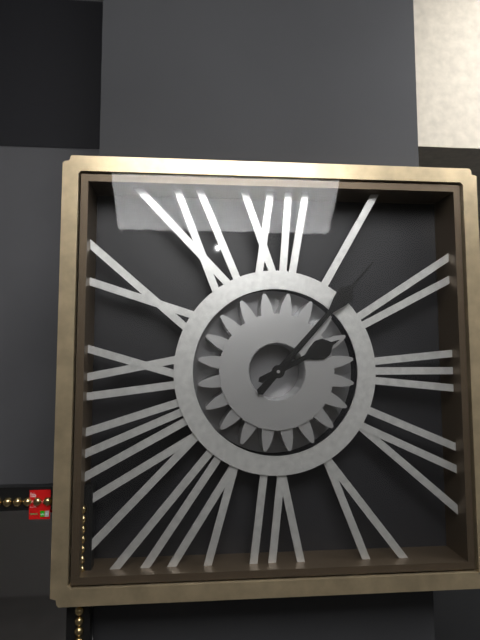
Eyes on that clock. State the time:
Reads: 2:07
